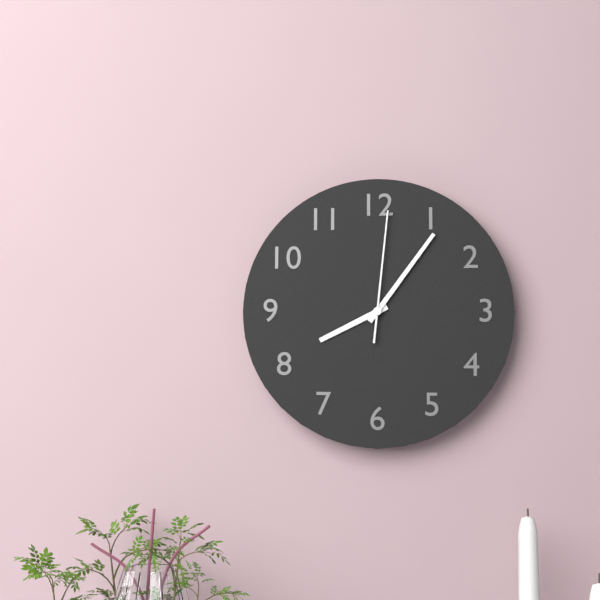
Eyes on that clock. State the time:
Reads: 8:06:01
